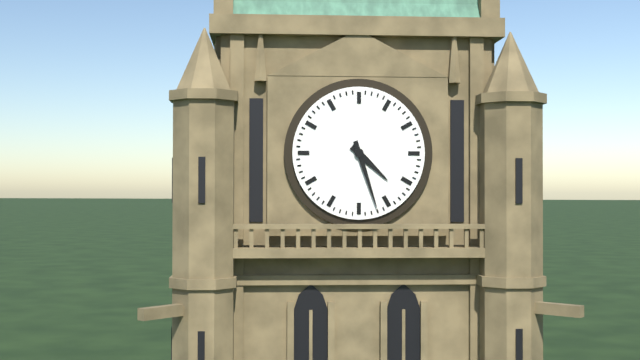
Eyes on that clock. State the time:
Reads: 4:27
